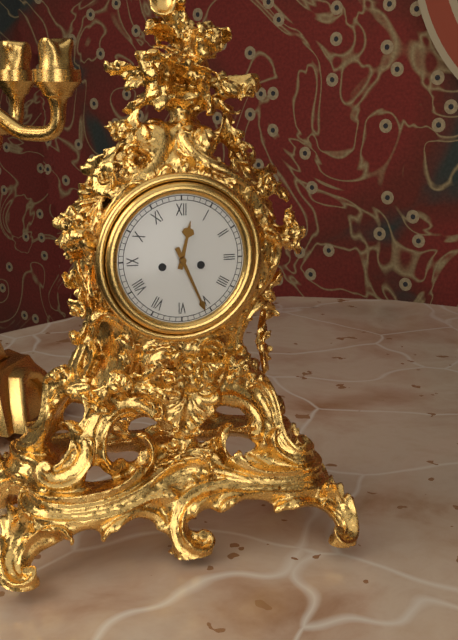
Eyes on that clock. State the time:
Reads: 12:26
